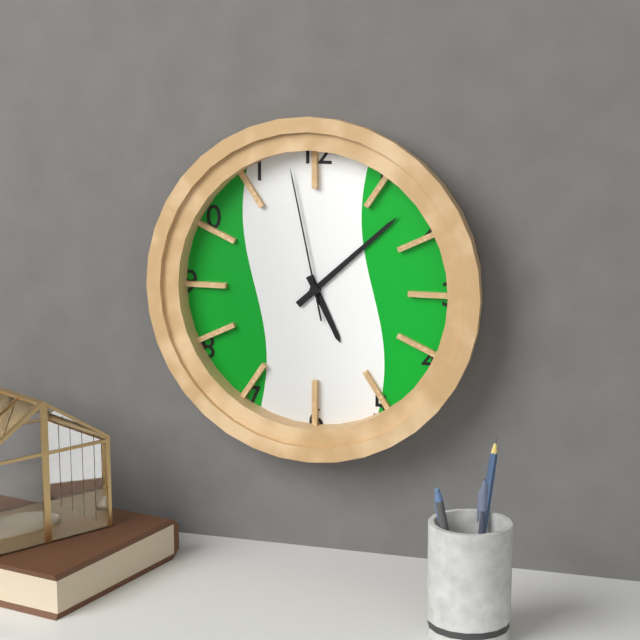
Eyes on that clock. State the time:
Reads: 5:08:58
